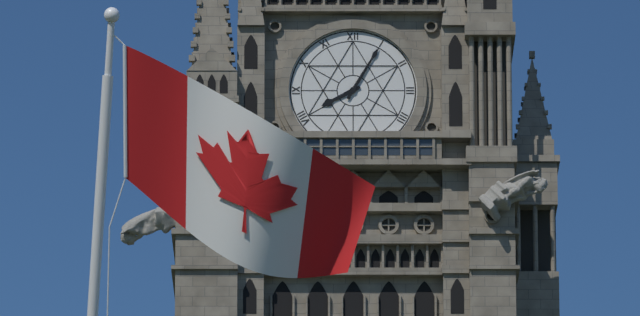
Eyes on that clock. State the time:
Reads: 8:05
